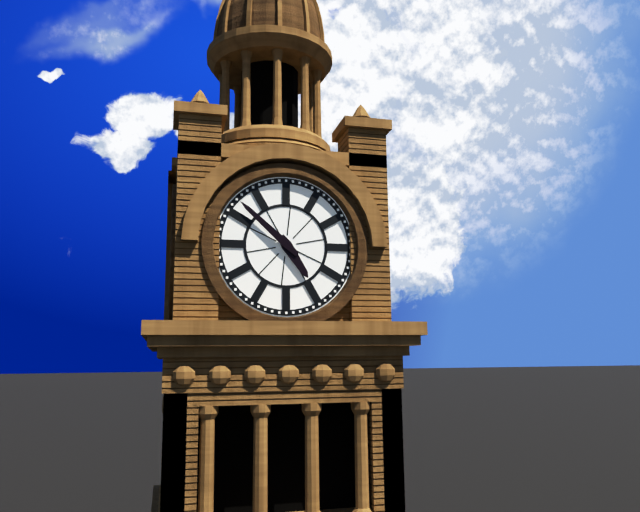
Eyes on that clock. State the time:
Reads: 4:52
